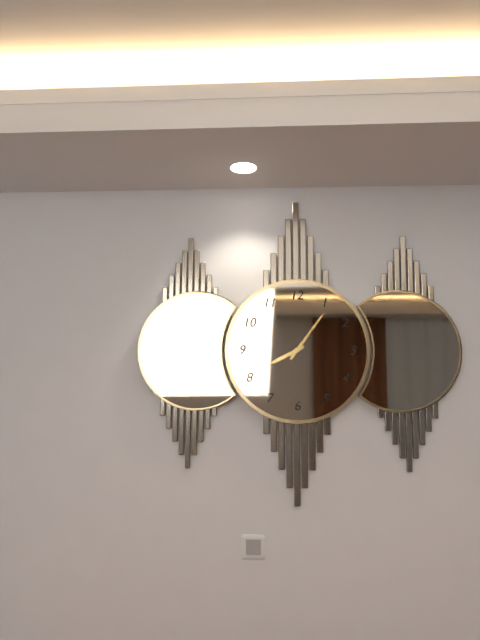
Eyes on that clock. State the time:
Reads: 8:06
